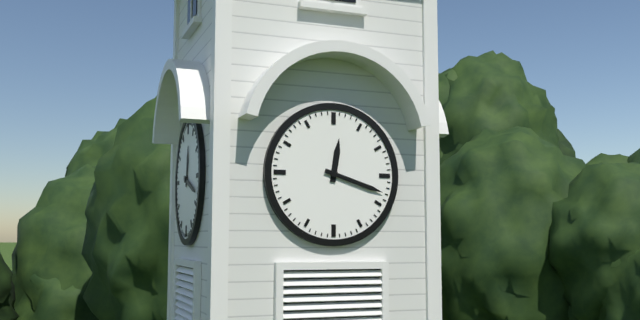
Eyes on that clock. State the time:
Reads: 12:18
